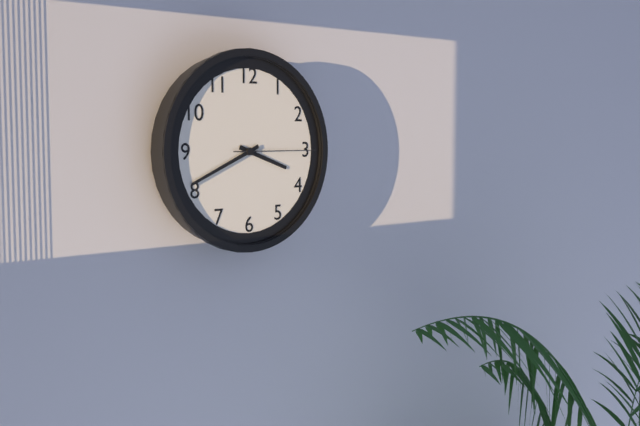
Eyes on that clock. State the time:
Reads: 3:41:15
